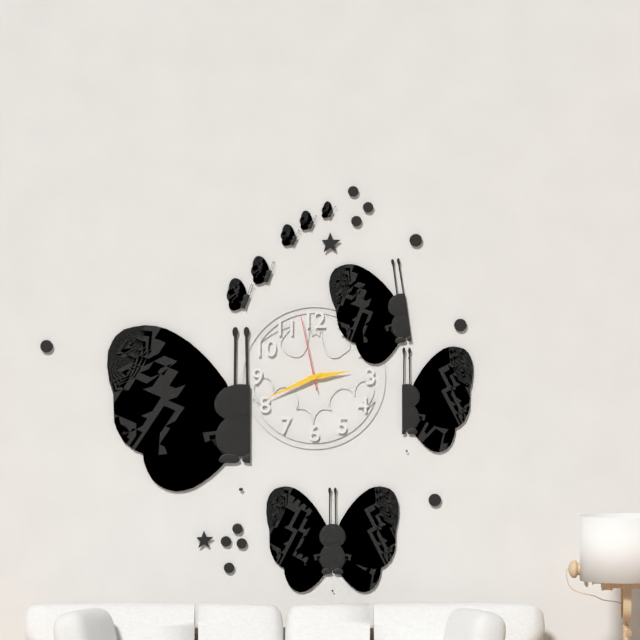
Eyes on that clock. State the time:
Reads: 2:41:58
